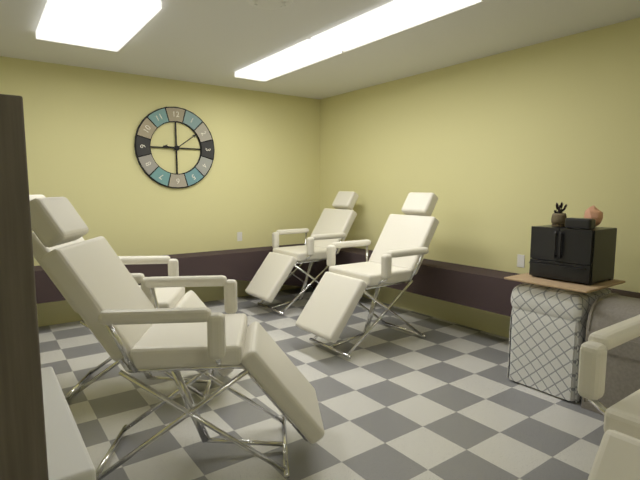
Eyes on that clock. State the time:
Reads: 9:09
